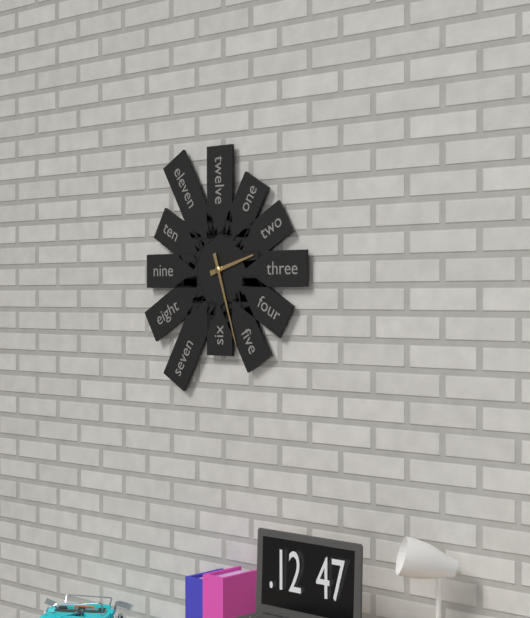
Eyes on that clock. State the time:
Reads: 2:27
